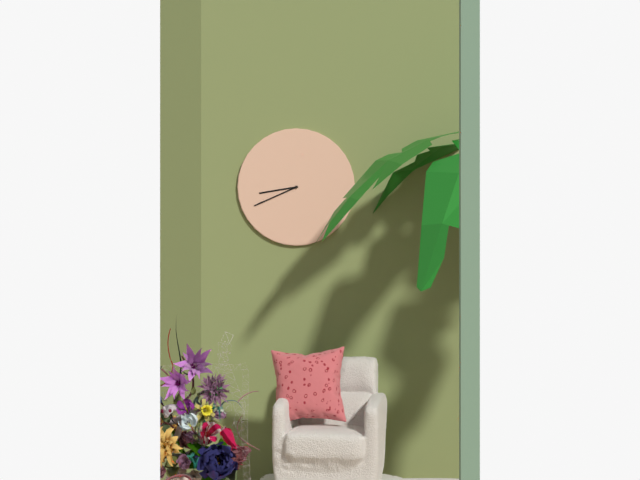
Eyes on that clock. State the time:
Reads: 8:41
